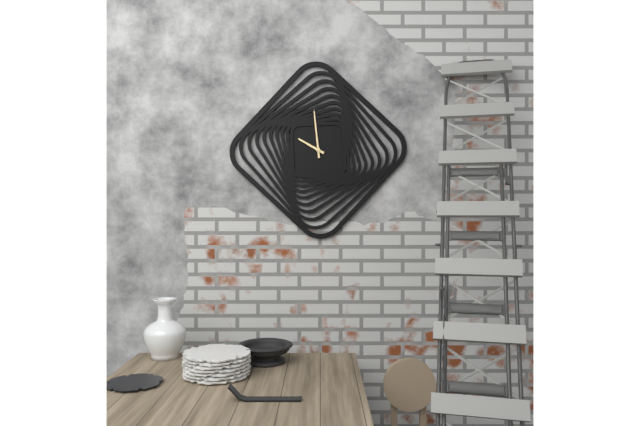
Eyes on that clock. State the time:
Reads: 9:59
